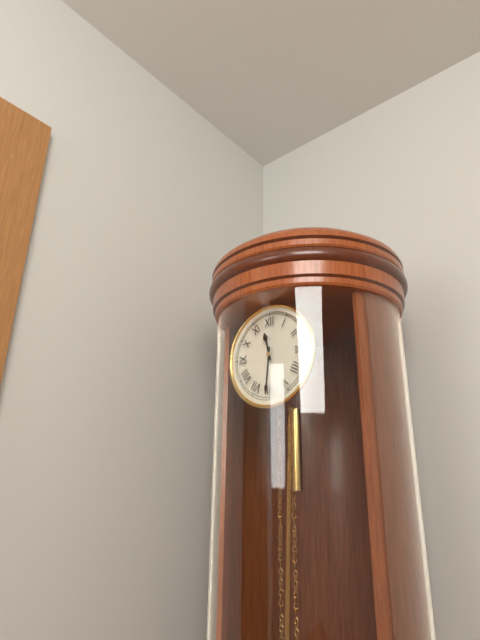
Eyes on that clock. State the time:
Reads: 11:31
